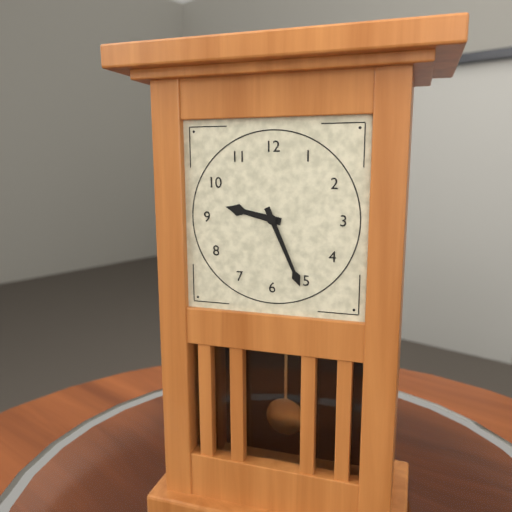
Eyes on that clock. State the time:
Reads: 9:26
